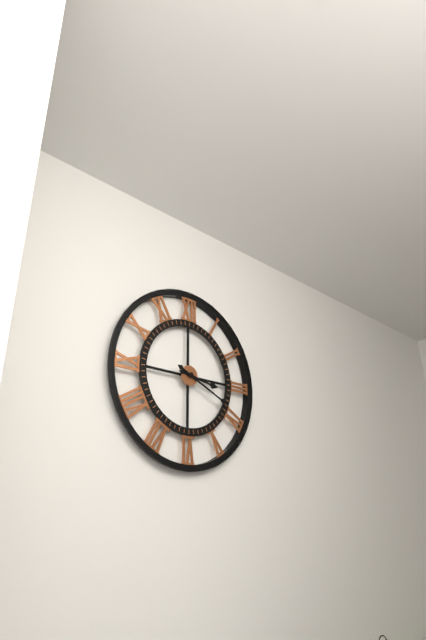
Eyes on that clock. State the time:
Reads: 3:19
